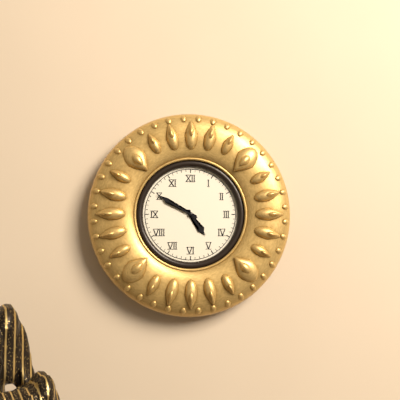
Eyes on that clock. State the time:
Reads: 4:50
